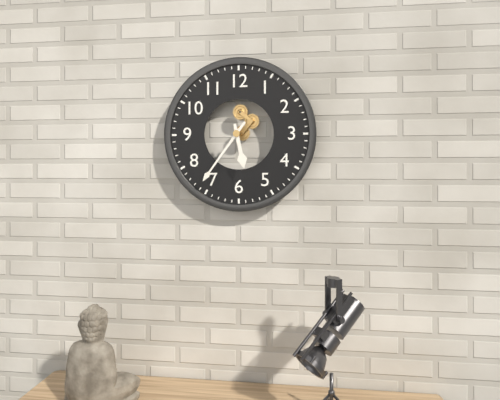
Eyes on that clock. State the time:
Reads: 5:36
